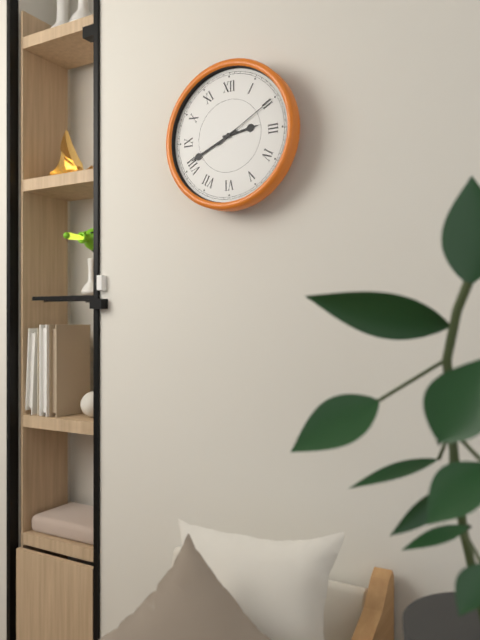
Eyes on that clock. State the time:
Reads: 2:41:10
